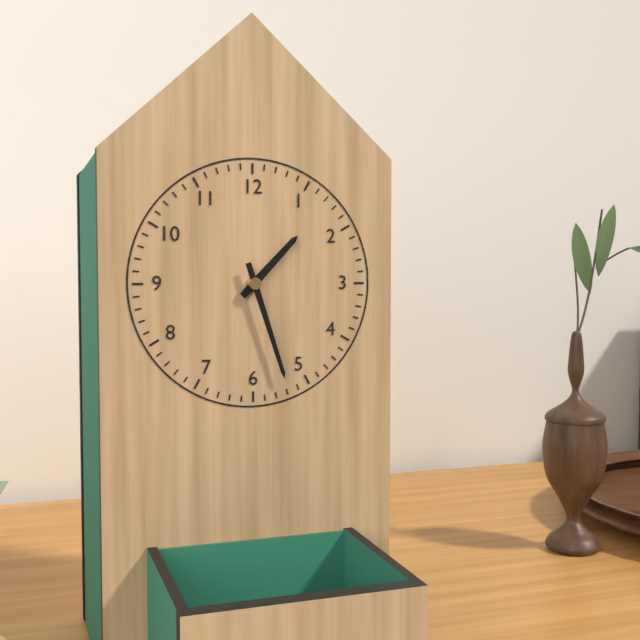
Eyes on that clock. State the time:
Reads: 1:27
